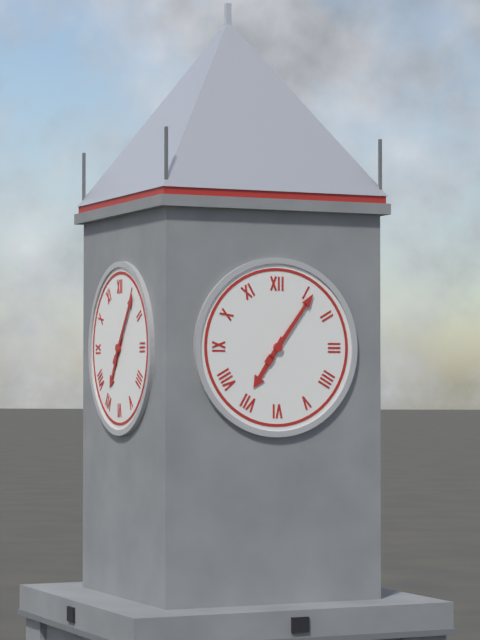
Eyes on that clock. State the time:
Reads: 7:06
